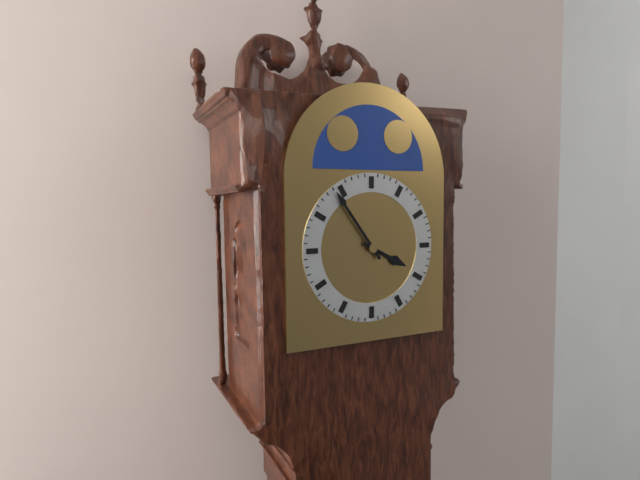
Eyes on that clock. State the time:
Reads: 3:54
